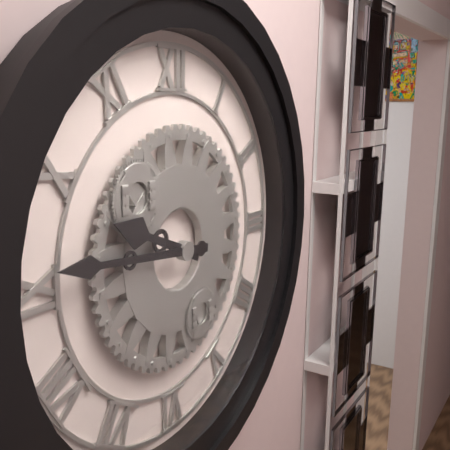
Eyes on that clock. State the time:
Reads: 9:46
